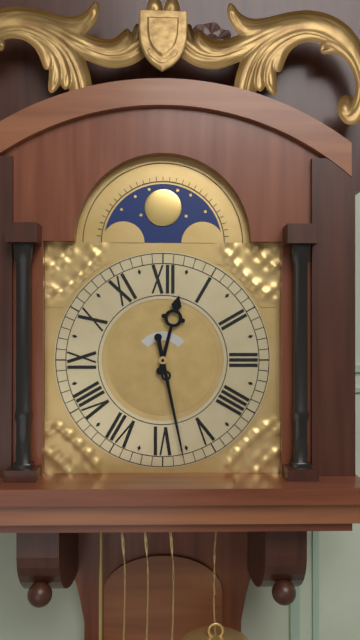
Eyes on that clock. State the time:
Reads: 12:28
